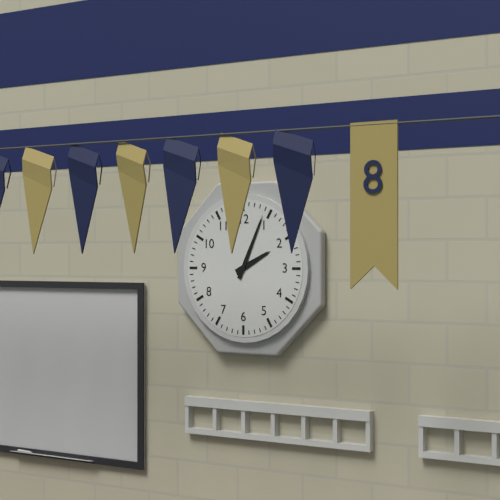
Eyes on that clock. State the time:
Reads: 2:04
